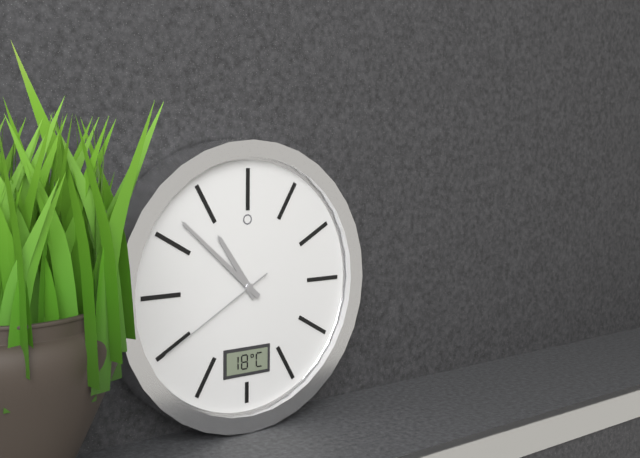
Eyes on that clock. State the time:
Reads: 10:52:40
